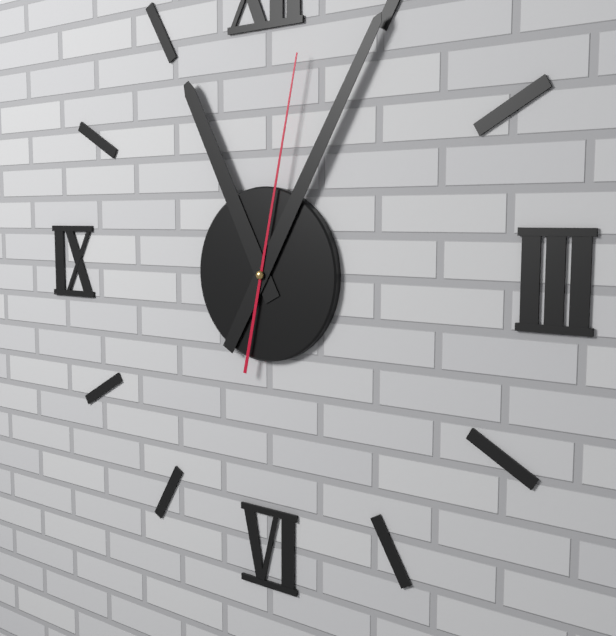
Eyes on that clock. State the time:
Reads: 11:05:02
